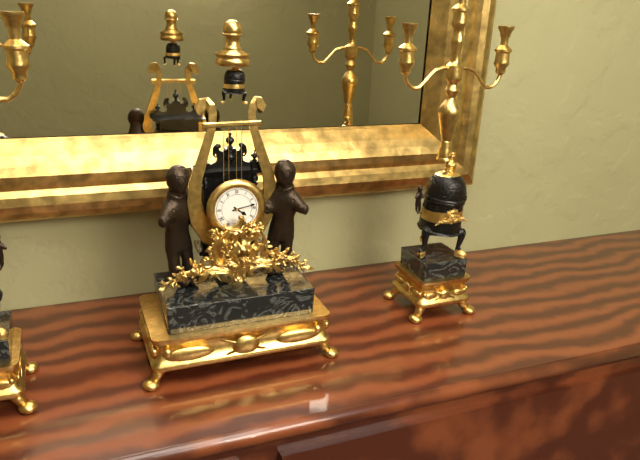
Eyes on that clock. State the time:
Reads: 4:13
